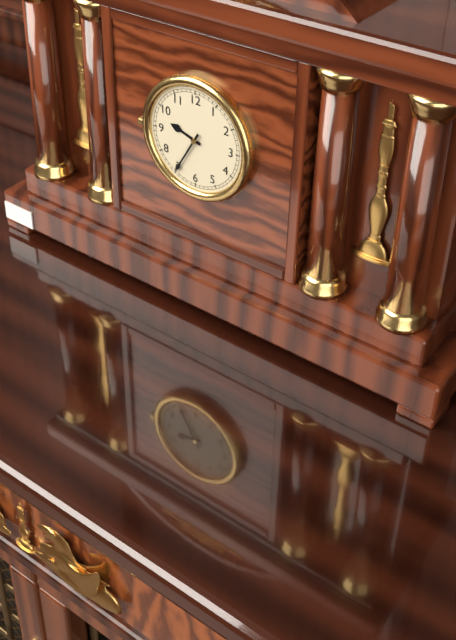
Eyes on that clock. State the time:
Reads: 9:35
